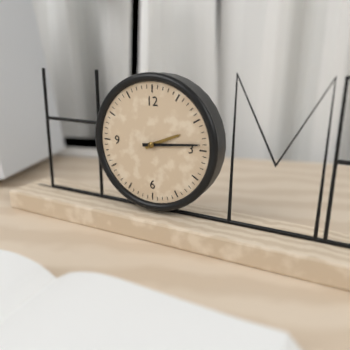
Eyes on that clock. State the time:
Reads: 2:14
